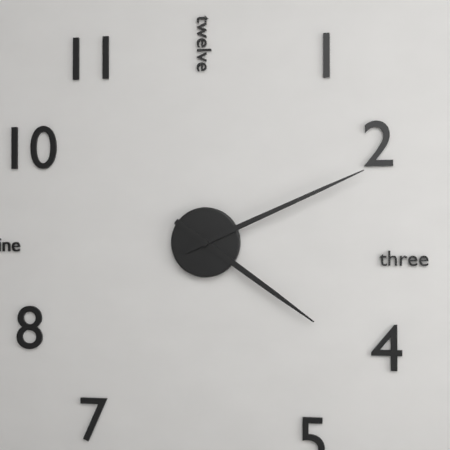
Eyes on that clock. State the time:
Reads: 4:11
